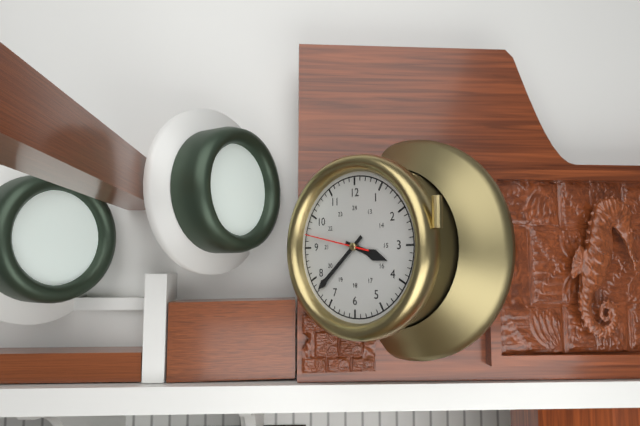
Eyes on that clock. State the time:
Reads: 3:38:47
